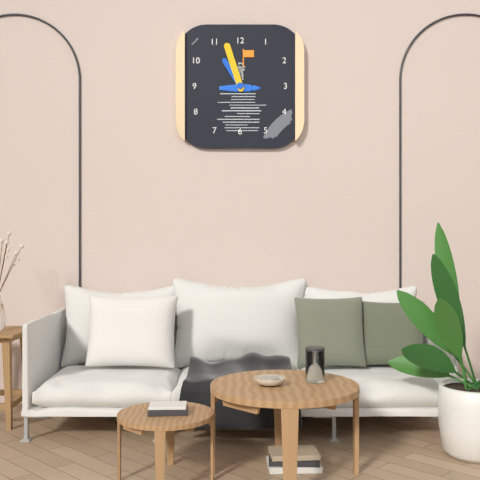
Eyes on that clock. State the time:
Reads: 10:57
